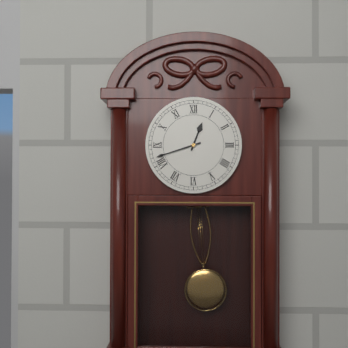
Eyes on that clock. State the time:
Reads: 12:42
